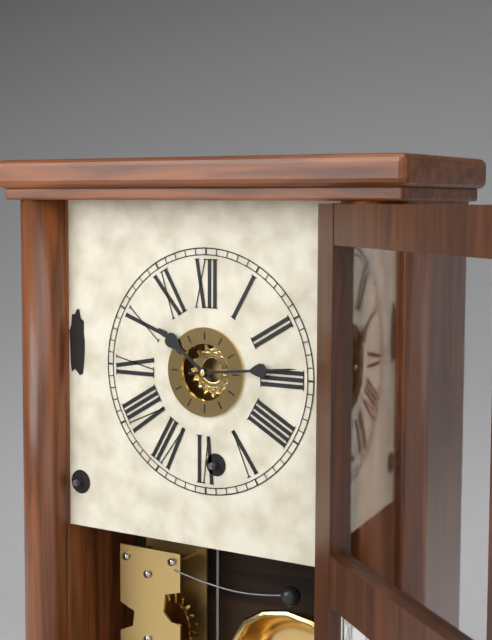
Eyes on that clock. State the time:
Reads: 10:14
